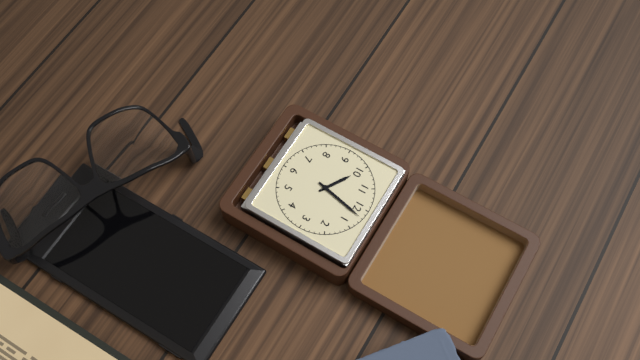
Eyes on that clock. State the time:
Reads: 10:02
